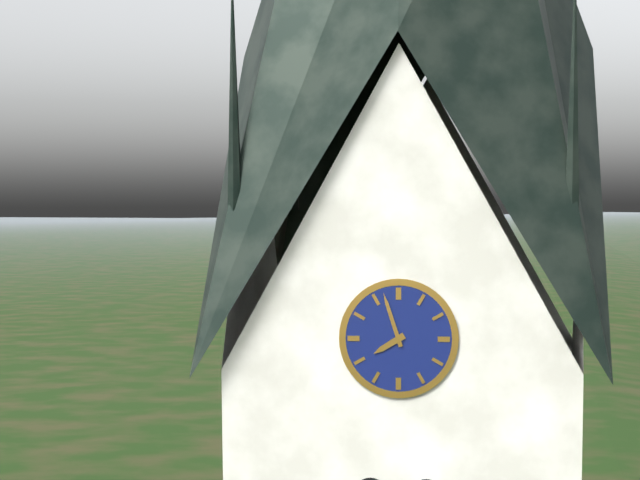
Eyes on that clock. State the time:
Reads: 7:57
